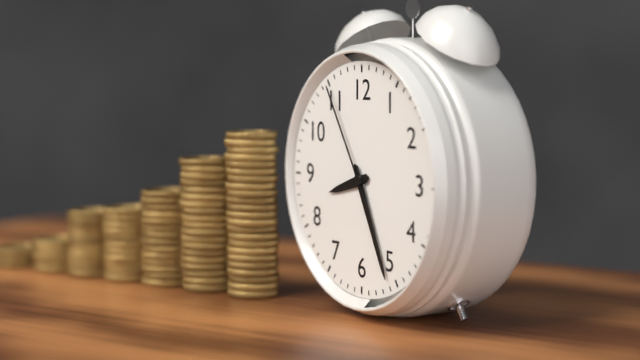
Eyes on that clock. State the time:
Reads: 8:26:55
